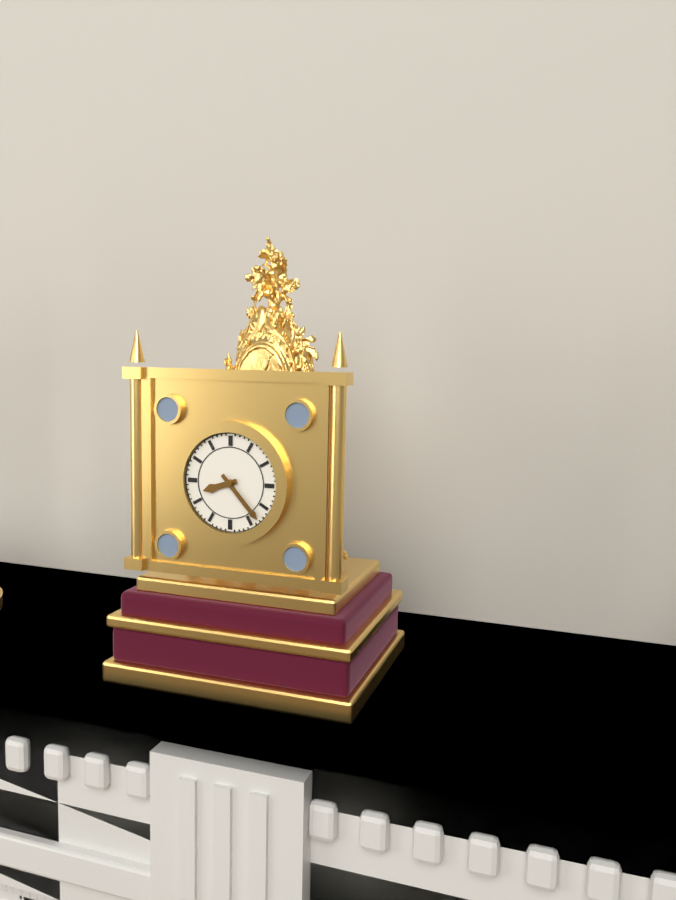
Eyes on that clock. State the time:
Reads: 8:23
